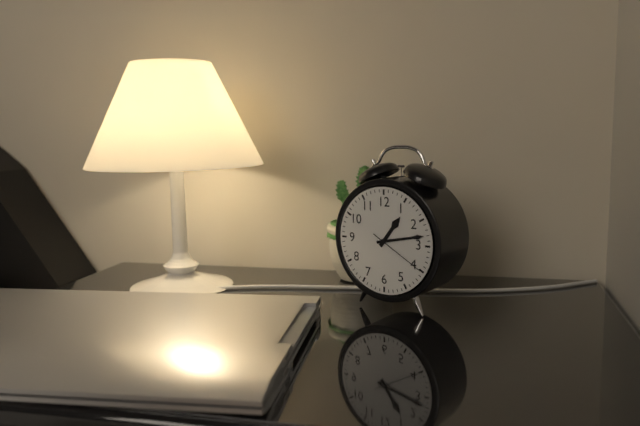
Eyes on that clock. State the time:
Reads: 1:13:20
